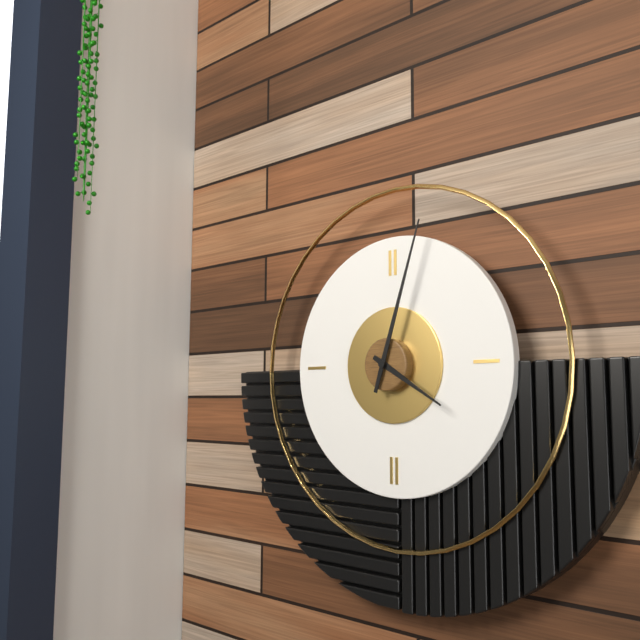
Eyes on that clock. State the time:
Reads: 4:03
